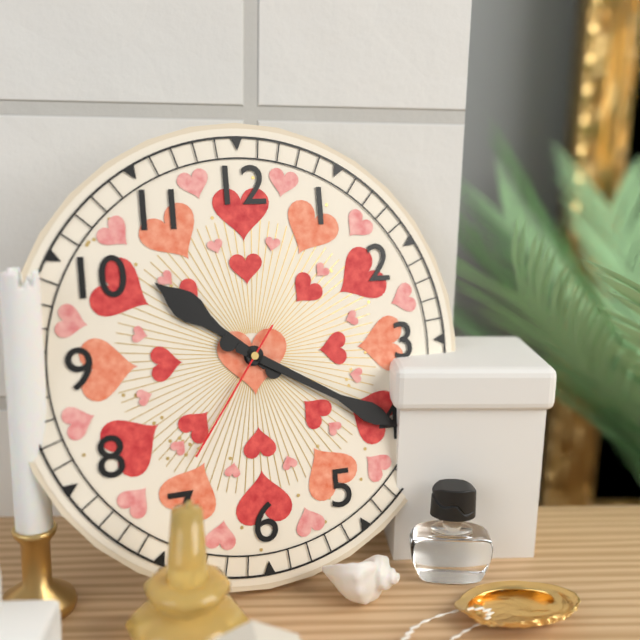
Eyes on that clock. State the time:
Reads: 10:20:36
